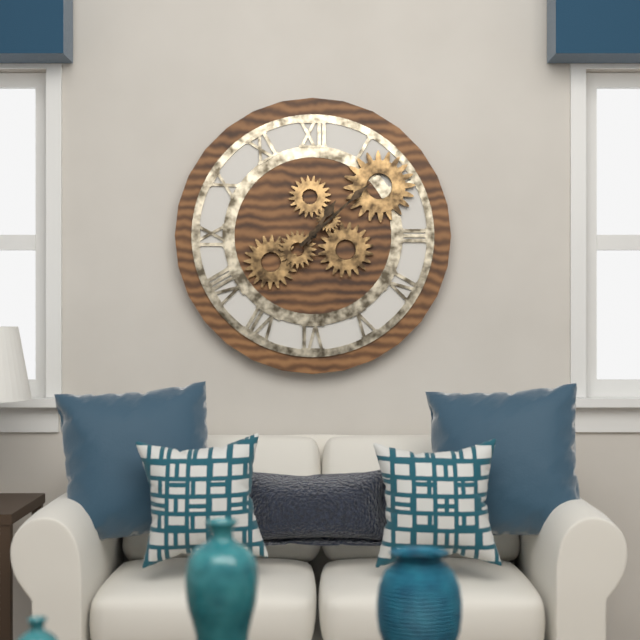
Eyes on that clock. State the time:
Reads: 1:08
